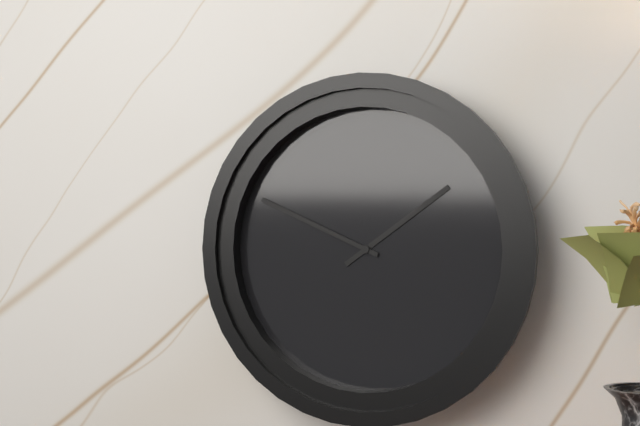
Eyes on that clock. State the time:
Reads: 1:49
